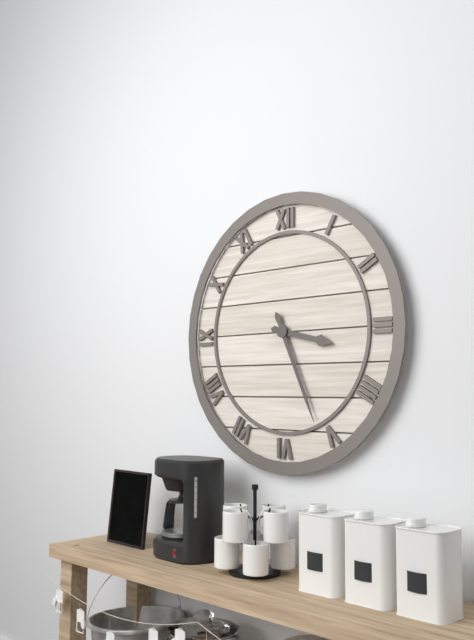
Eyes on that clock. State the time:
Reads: 3:26
